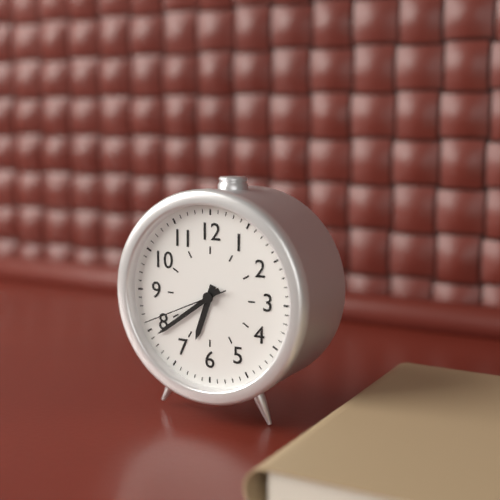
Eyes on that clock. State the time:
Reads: 6:39:41
